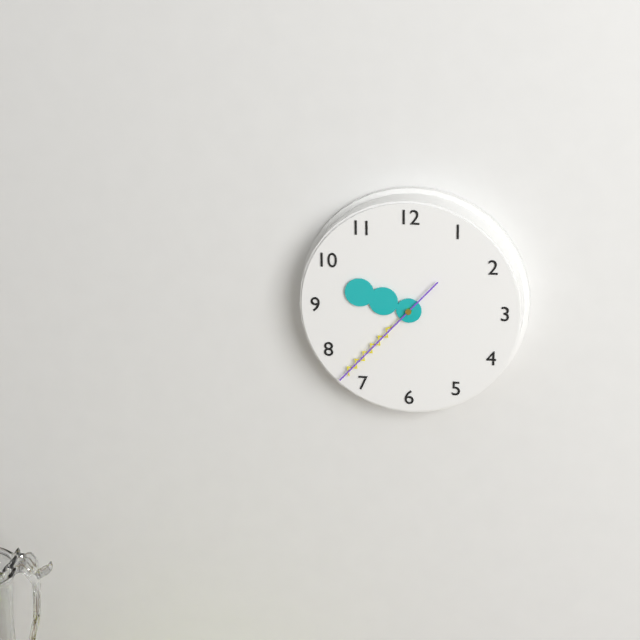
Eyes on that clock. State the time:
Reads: 9:37:37
